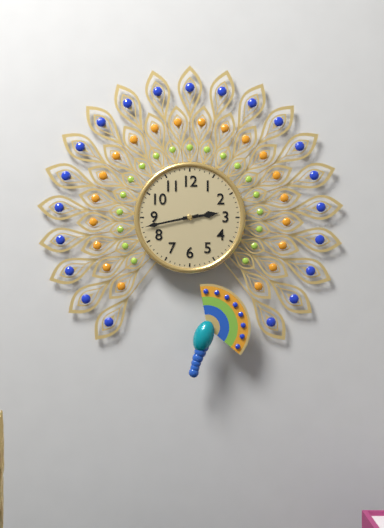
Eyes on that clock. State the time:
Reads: 2:43
